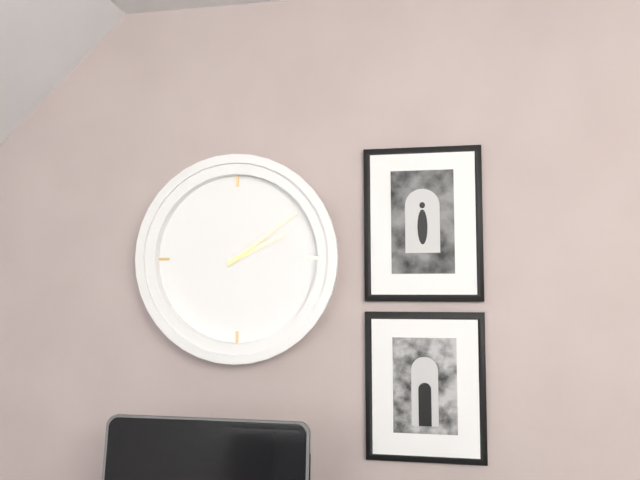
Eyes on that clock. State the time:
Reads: 2:09
